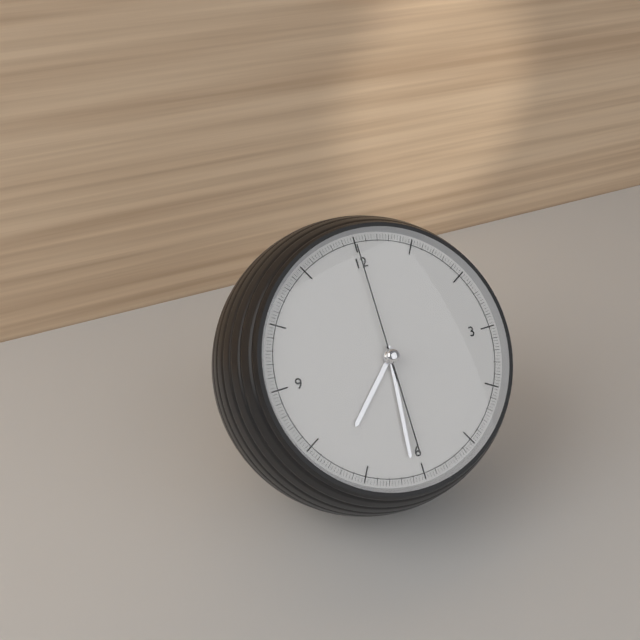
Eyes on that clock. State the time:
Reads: 7:31:00
